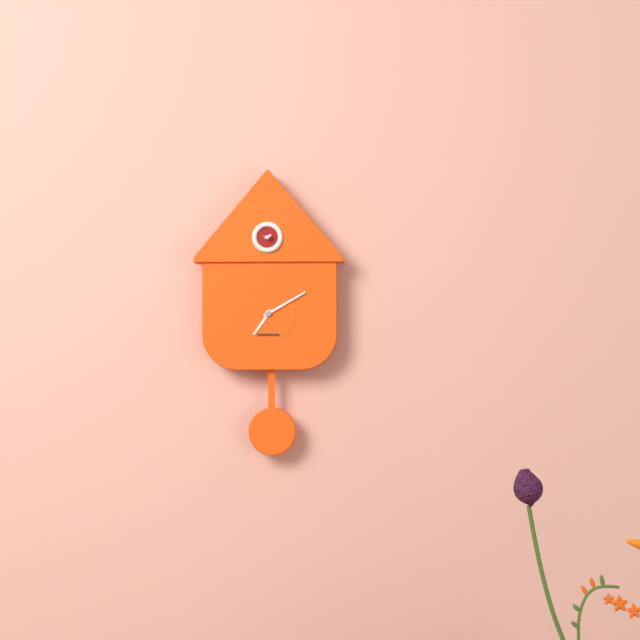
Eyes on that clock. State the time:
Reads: 7:10
